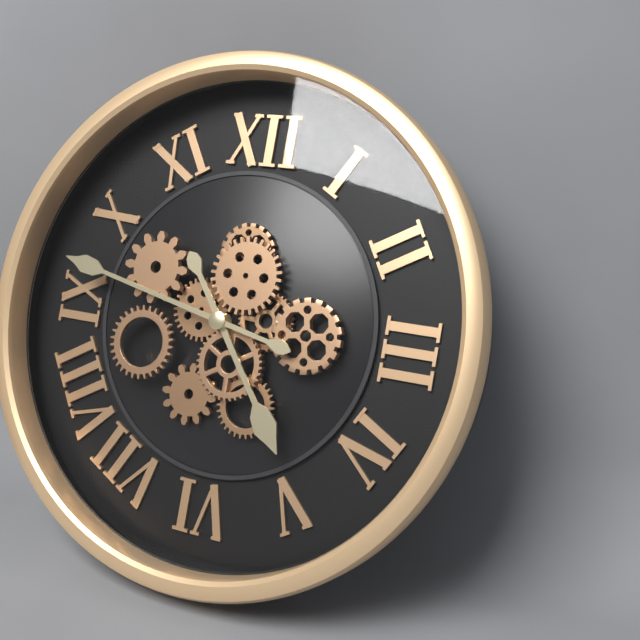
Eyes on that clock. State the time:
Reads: 4:47
